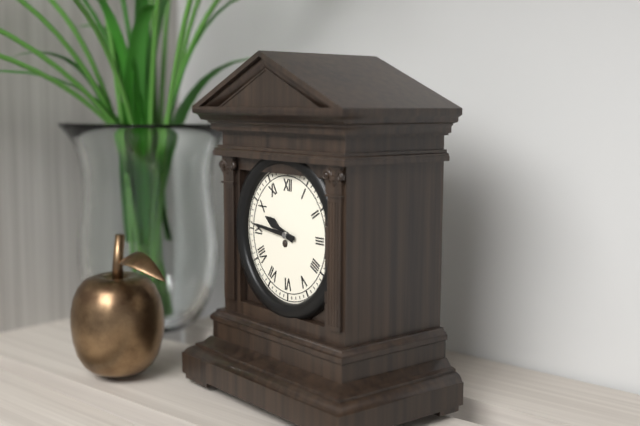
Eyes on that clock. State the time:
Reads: 9:46
